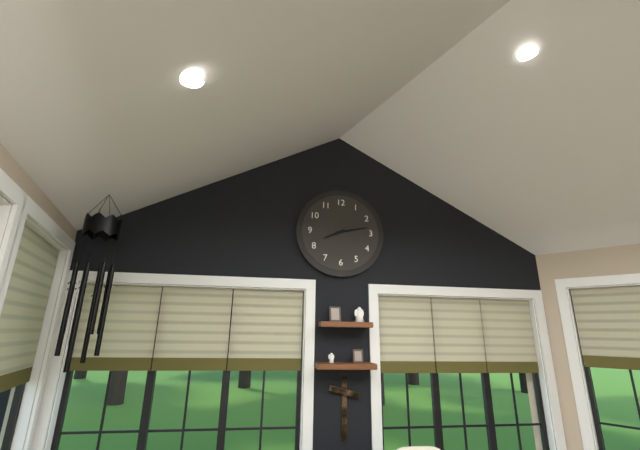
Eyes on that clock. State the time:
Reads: 8:13
